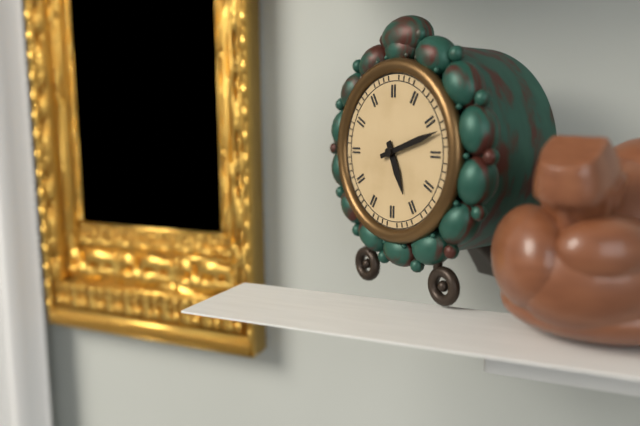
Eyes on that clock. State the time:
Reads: 5:12
